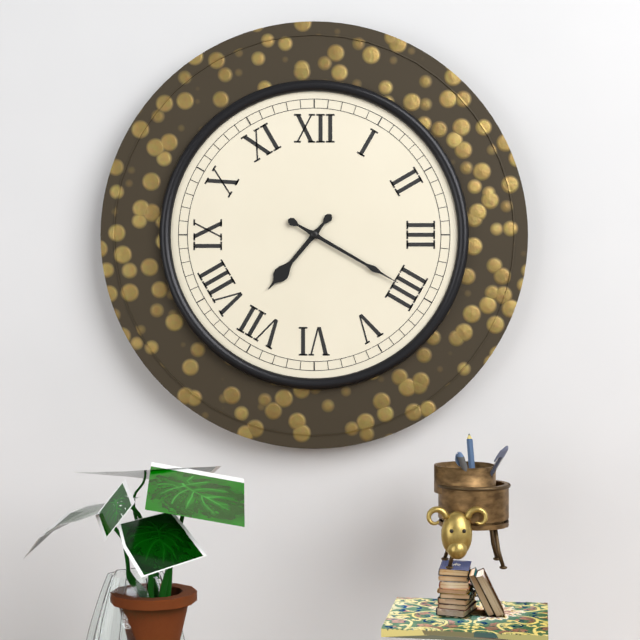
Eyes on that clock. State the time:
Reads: 7:20
